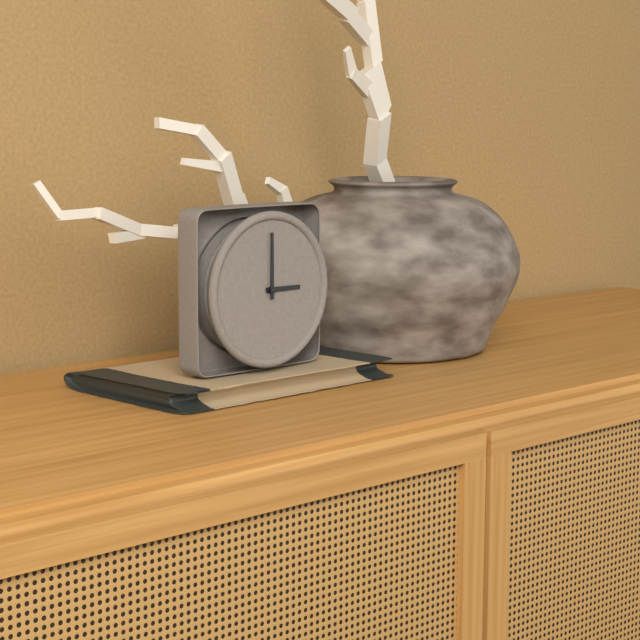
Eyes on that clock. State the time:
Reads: 3:00
